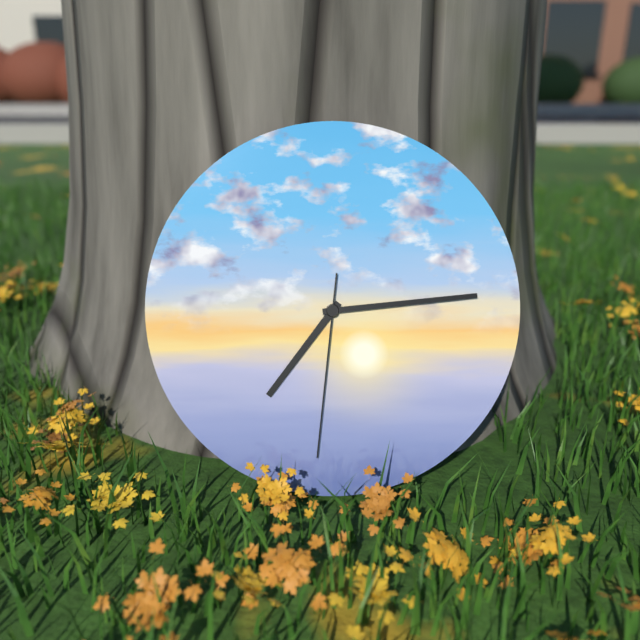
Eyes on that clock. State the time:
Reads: 7:14:31
